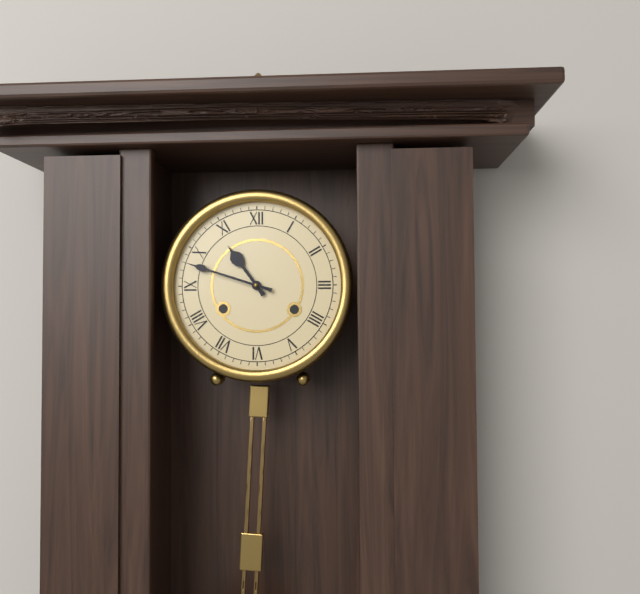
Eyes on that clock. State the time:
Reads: 10:48
